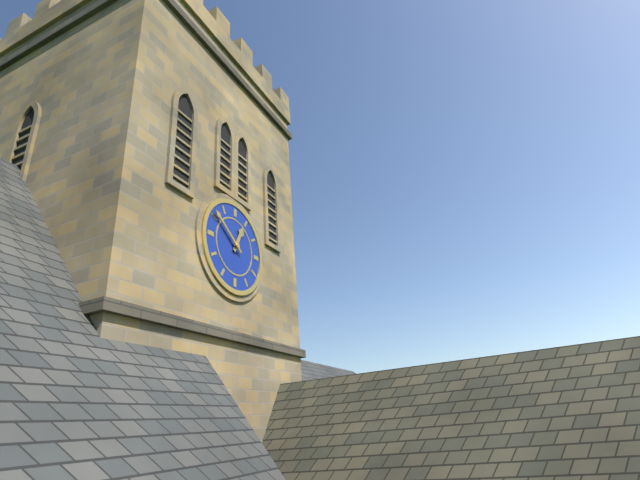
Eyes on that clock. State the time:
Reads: 12:51
